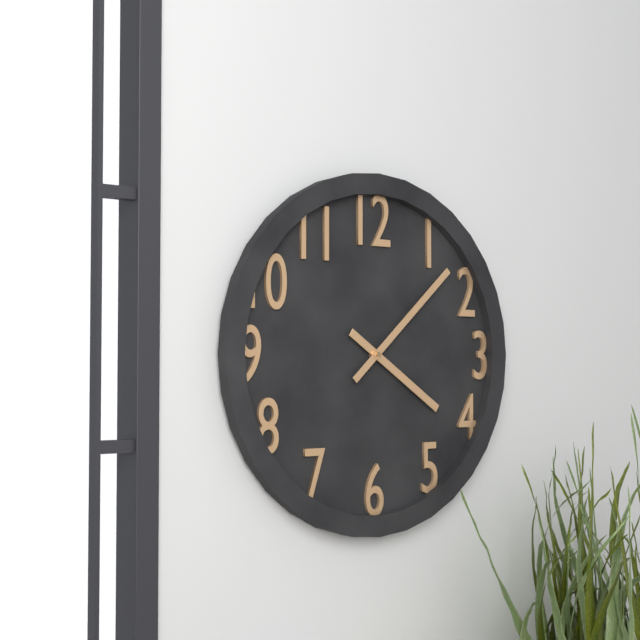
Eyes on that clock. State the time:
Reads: 4:08
